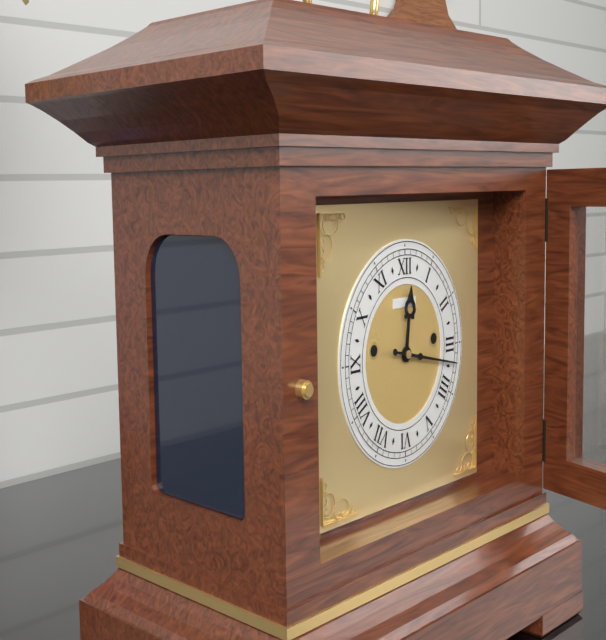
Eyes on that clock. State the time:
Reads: 12:17
